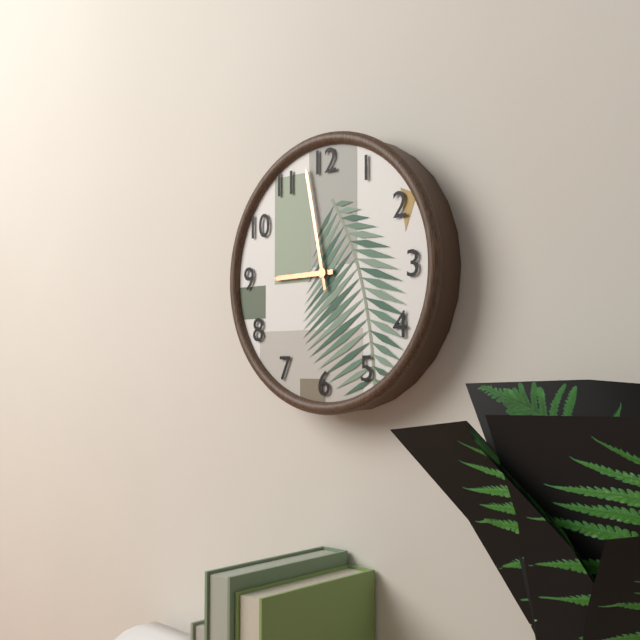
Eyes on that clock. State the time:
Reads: 8:58
